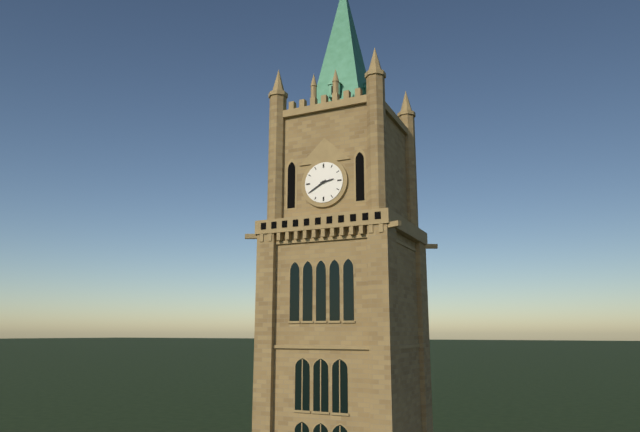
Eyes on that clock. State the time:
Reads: 2:40
